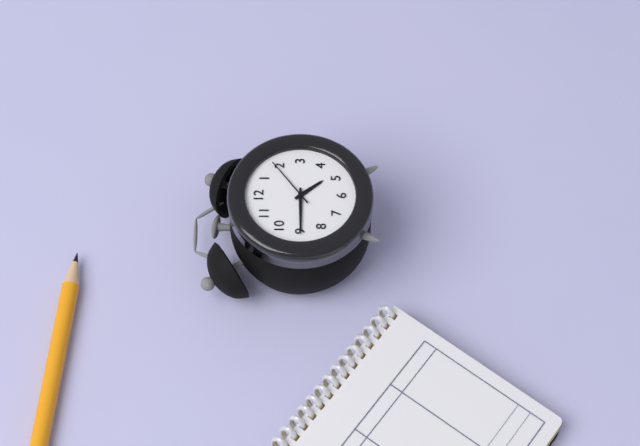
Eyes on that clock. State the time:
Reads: 4:45:09
